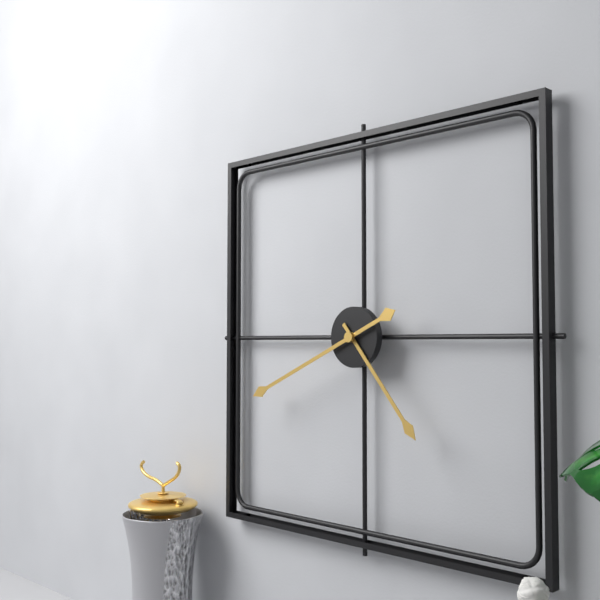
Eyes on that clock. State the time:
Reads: 4:41
